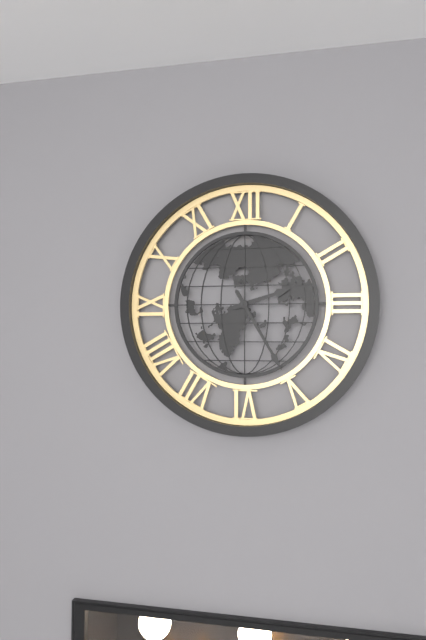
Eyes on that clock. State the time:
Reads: 2:25
